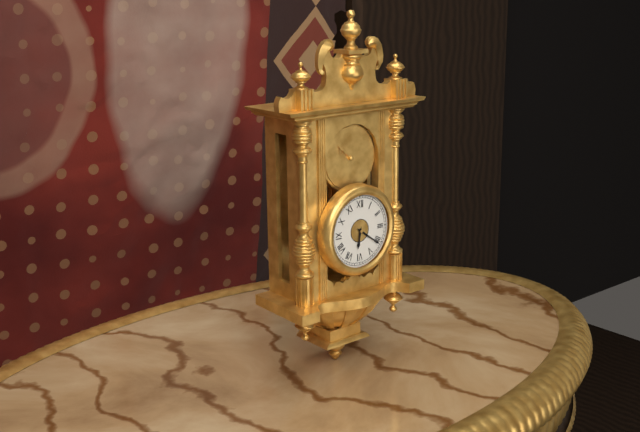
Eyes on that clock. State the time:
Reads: 6:21
